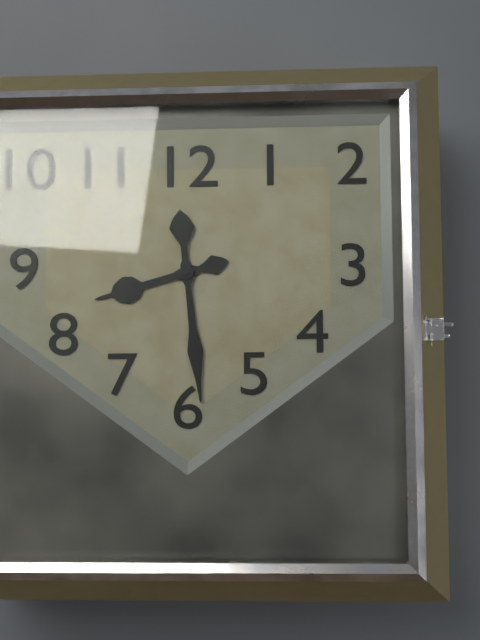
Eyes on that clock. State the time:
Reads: 8:29
